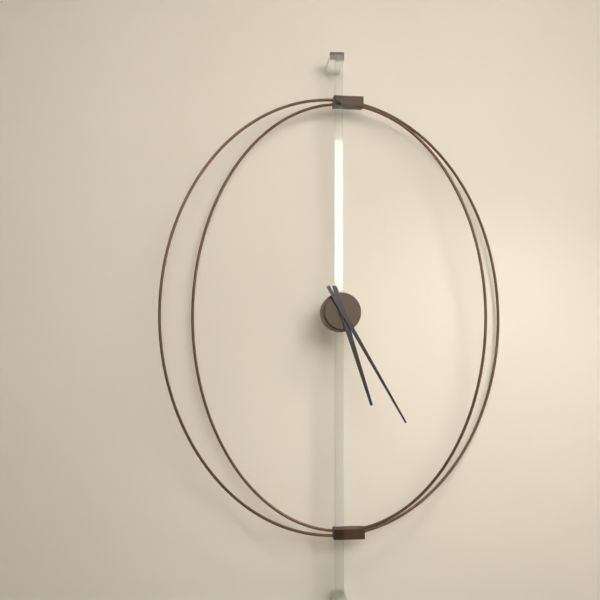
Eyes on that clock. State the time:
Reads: 5:25
